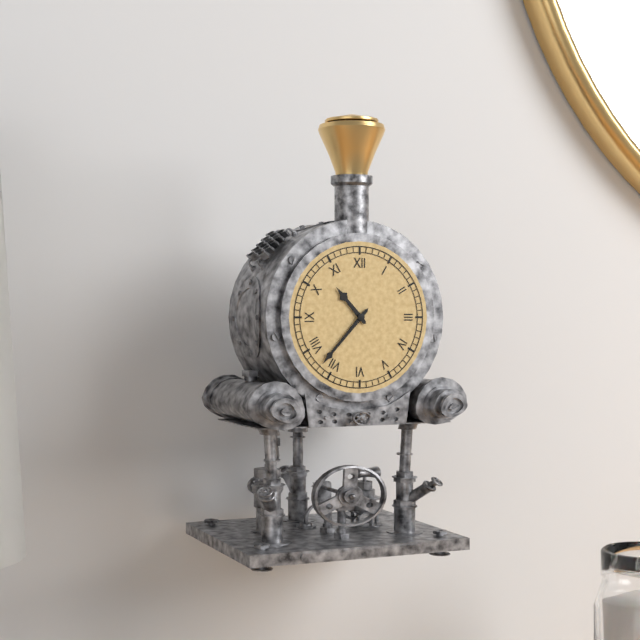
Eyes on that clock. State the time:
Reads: 10:37
